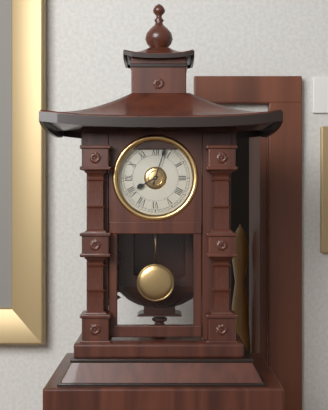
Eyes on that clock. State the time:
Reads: 8:03
